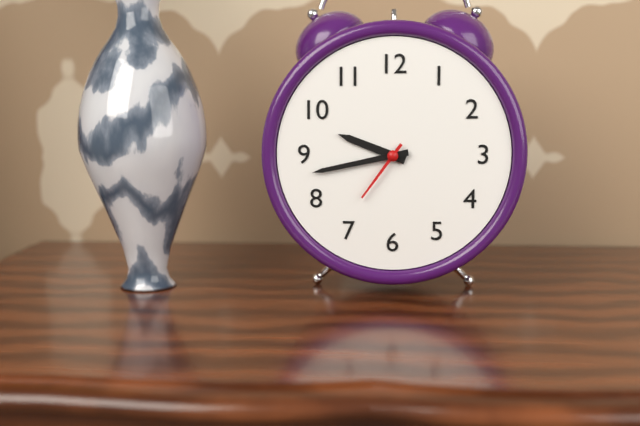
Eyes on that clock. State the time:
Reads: 9:43:36
